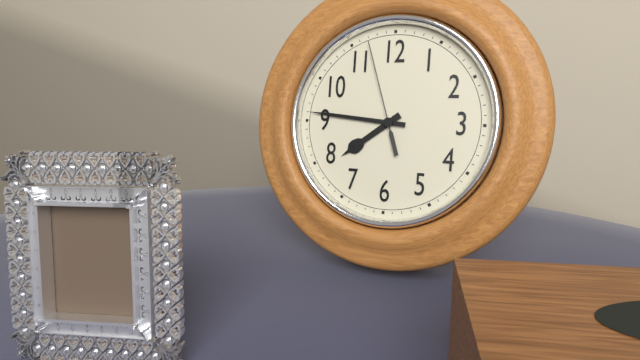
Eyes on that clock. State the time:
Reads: 7:46:57
